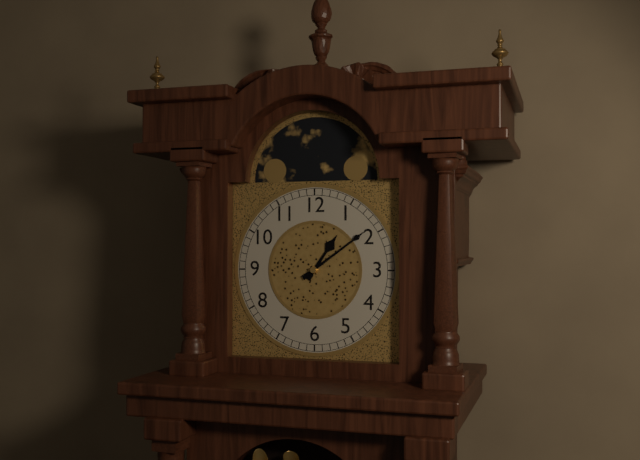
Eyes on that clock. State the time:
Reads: 1:09
